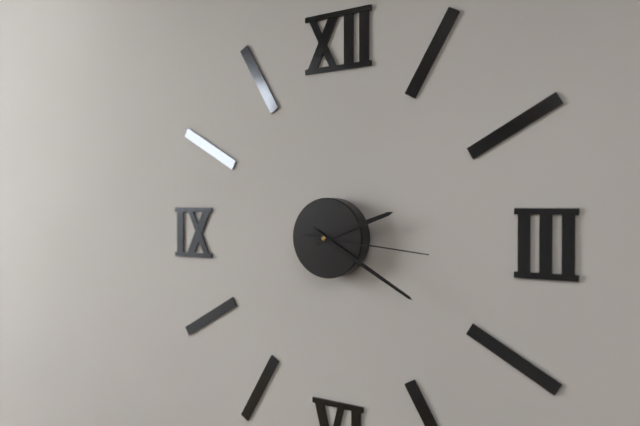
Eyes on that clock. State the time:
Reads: 2:20:16
